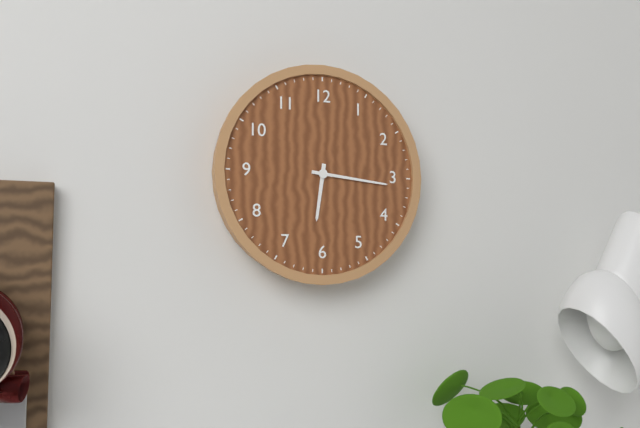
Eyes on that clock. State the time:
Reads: 6:16
